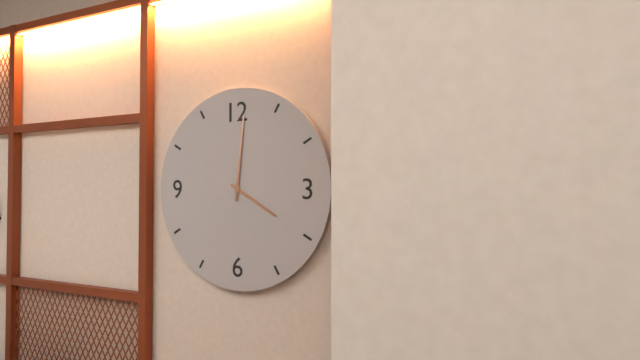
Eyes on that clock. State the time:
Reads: 4:01
